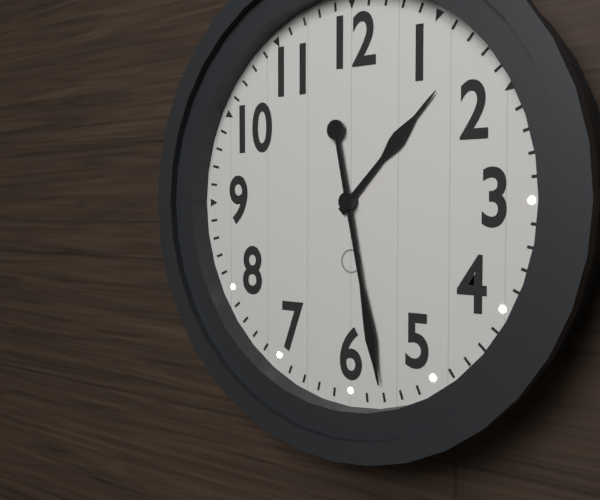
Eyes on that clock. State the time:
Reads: 1:28
